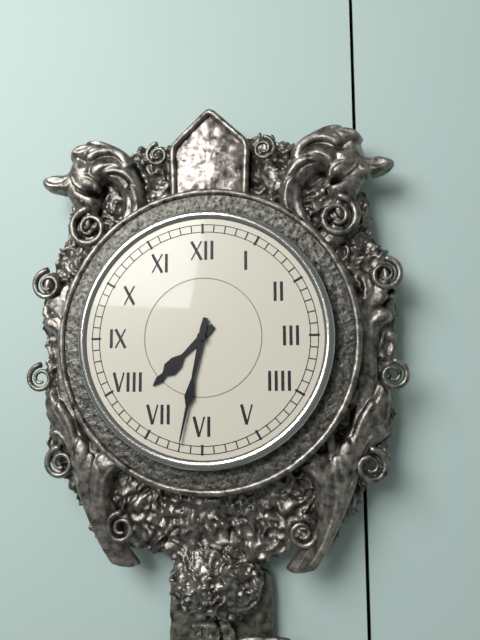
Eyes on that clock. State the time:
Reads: 7:32
